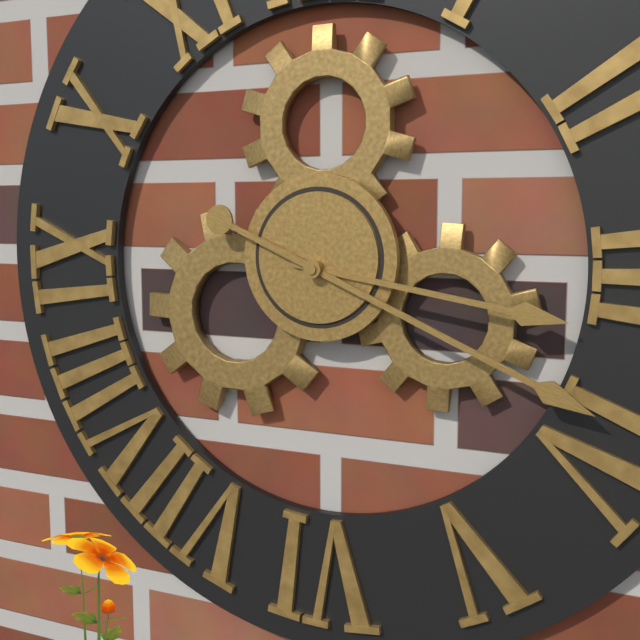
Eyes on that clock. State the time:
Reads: 3:19
